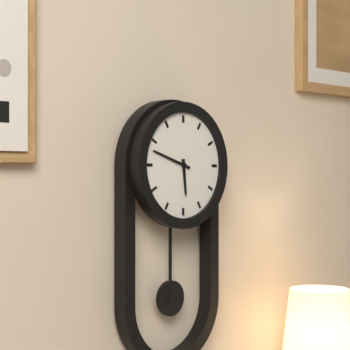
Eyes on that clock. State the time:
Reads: 5:48
